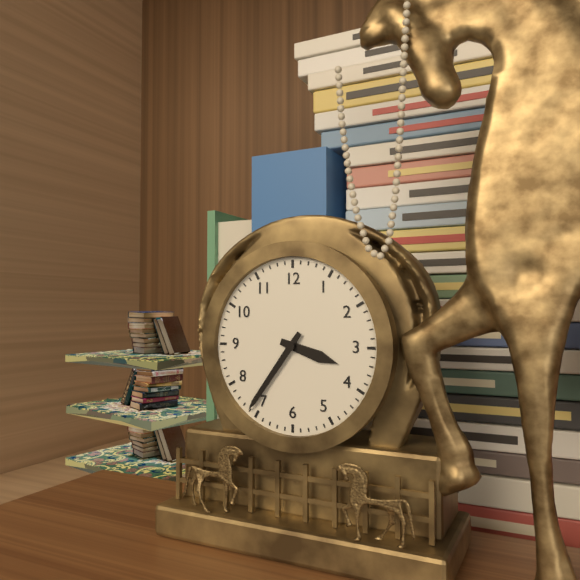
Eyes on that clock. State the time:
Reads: 3:36
